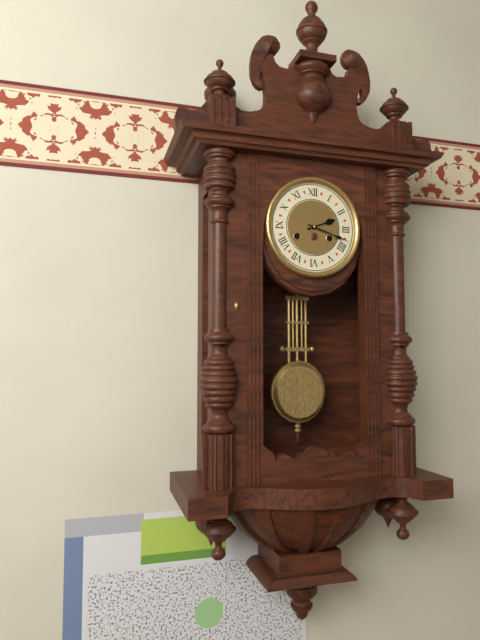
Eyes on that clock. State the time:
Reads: 2:18
